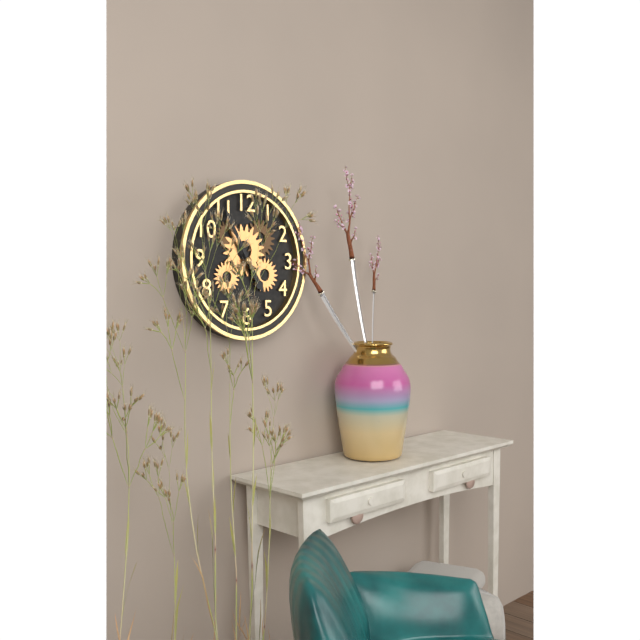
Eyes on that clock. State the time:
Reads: 4:55
